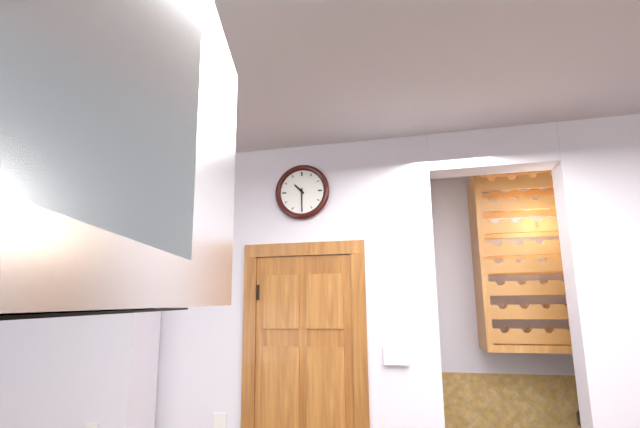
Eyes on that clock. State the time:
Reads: 10:30
